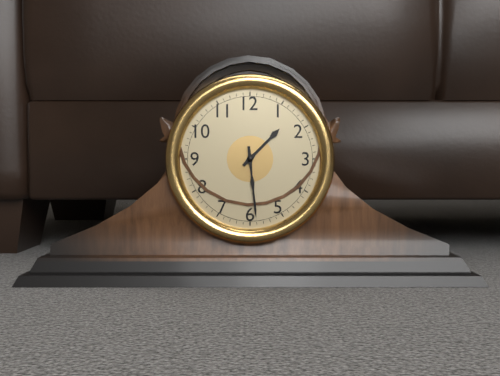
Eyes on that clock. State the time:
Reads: 1:29
